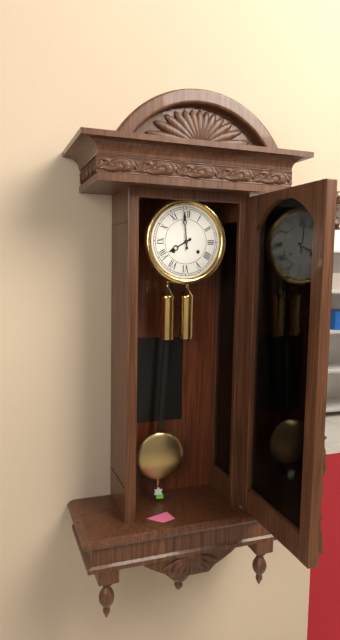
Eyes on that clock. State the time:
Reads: 7:59
